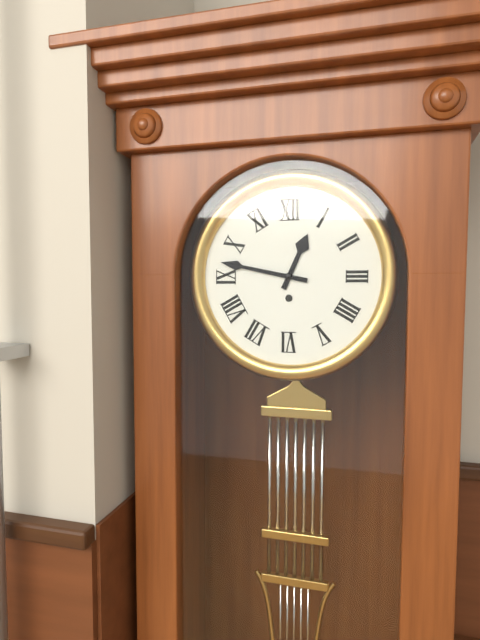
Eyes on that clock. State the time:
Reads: 12:47
